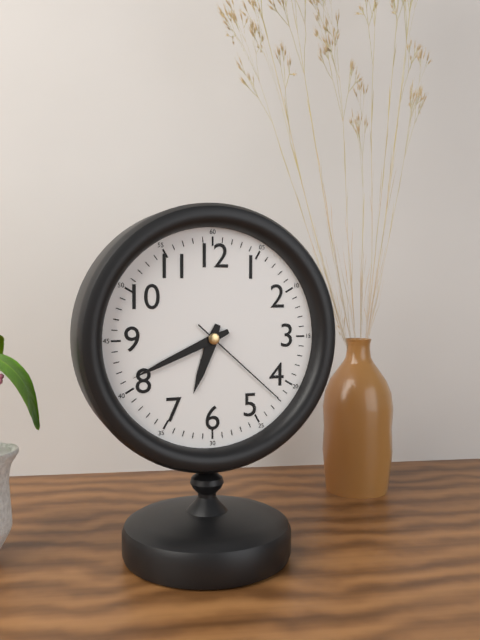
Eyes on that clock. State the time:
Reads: 6:41:22
